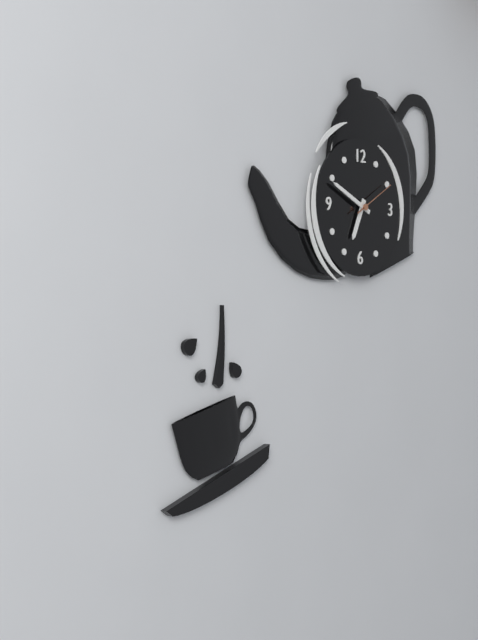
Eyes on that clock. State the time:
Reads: 6:49
